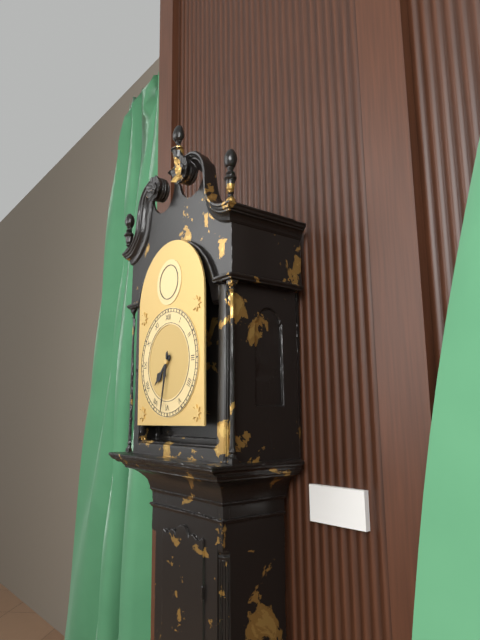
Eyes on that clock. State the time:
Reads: 7:32
